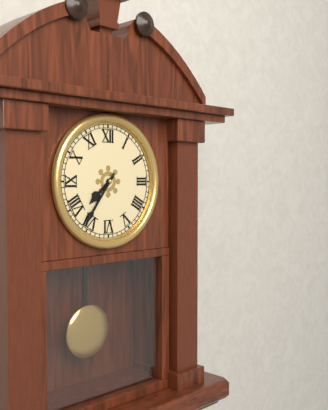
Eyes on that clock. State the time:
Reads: 7:36
